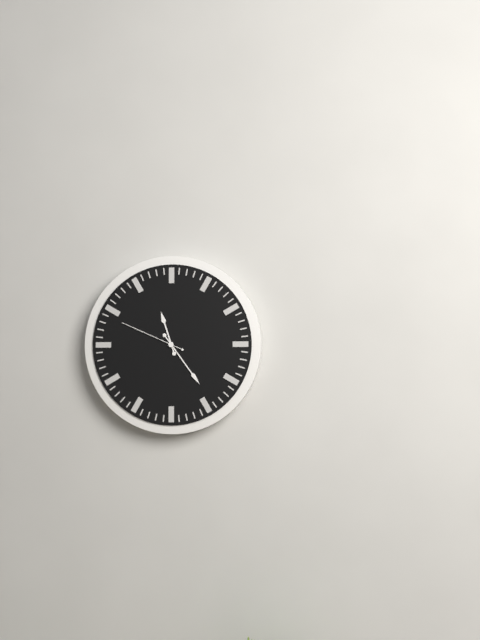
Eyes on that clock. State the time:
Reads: 11:24:49
